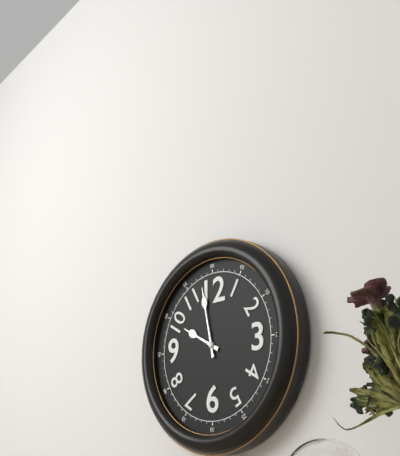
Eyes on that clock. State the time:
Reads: 9:58
